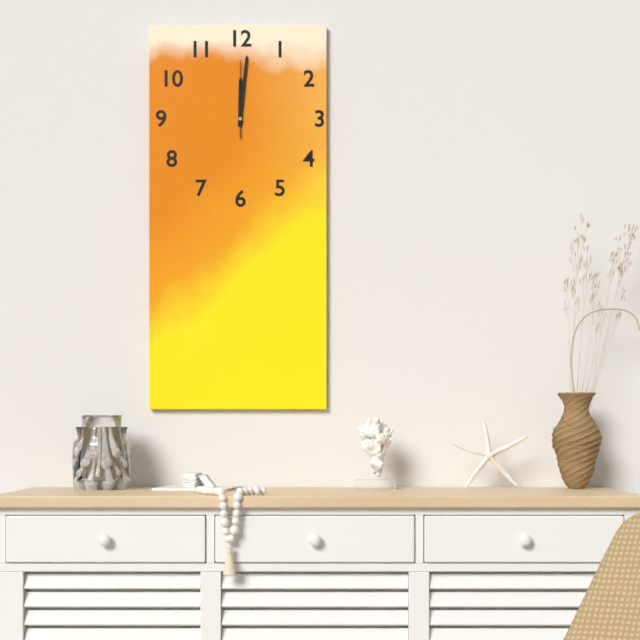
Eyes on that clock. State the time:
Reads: 12:01:00
